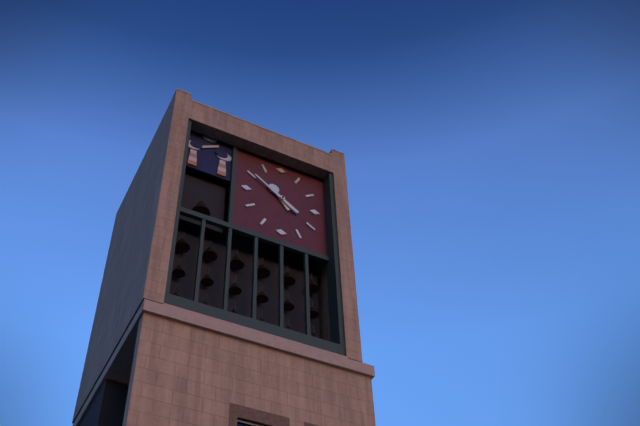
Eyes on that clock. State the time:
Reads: 10:51
